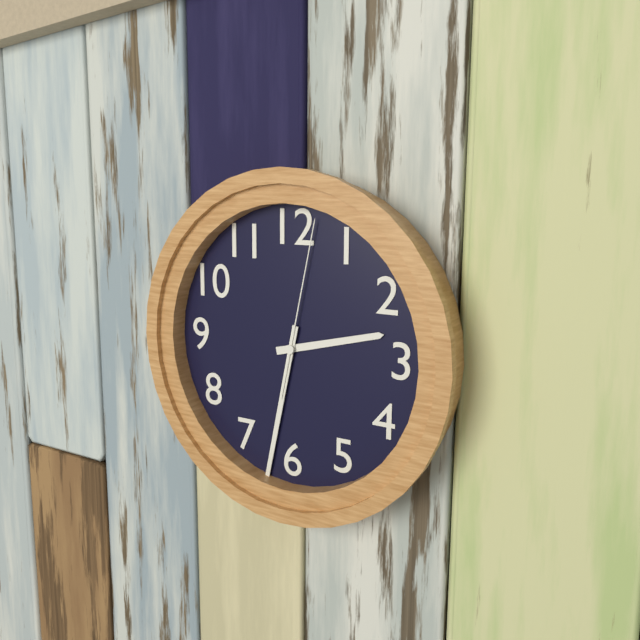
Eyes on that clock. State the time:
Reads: 2:32:02
